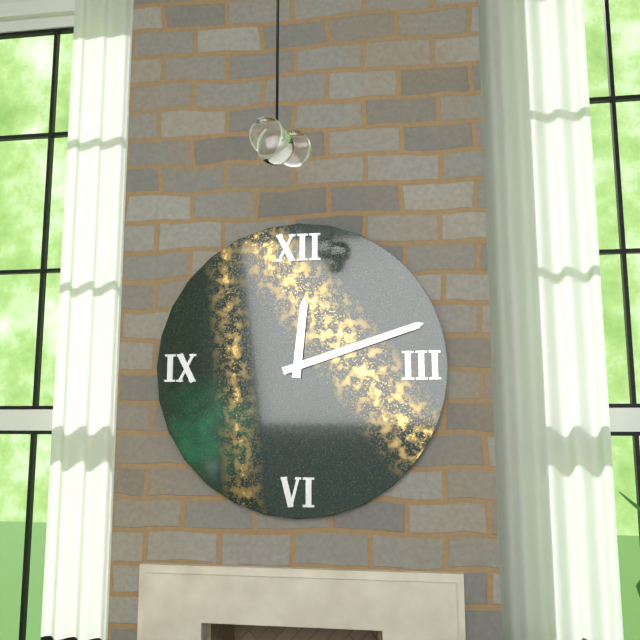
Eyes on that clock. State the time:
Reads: 12:12
